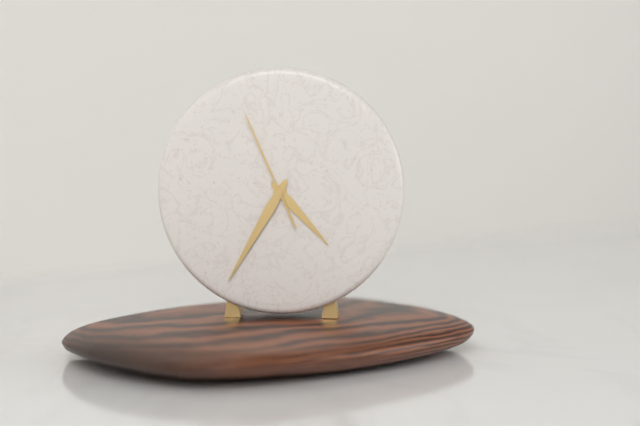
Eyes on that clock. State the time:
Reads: 4:35:56
